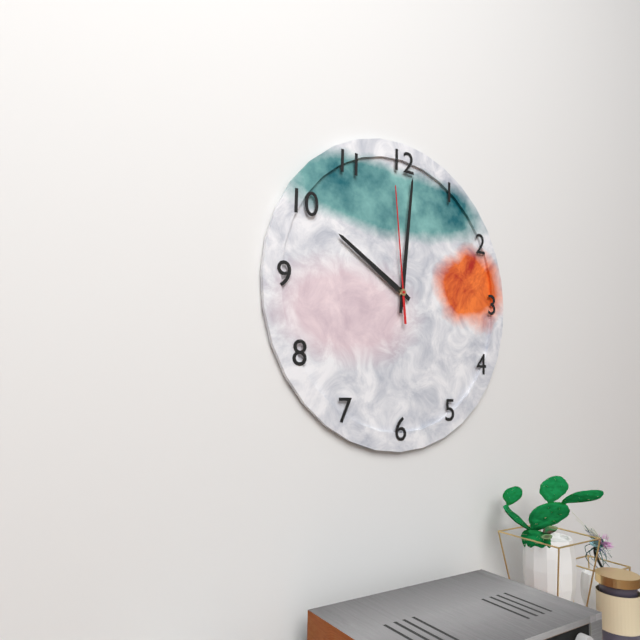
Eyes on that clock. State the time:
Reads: 10:01:59
